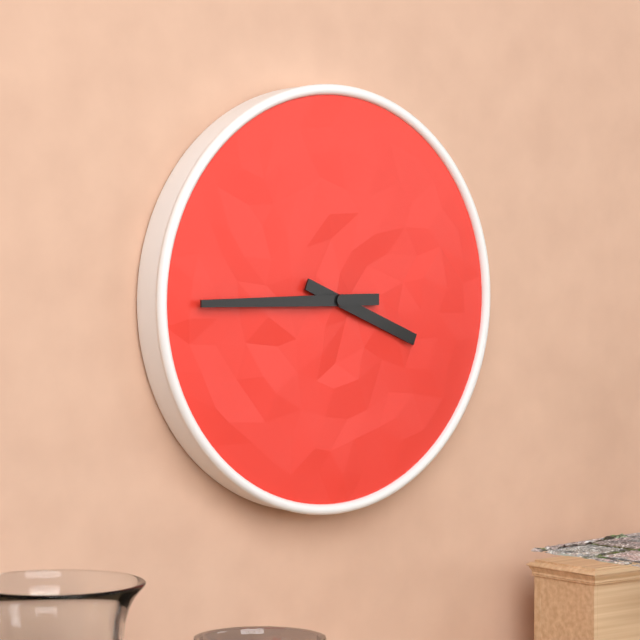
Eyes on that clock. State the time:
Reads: 3:45
